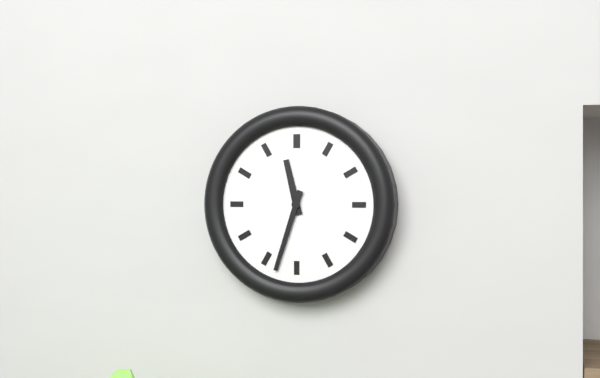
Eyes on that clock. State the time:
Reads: 11:33
